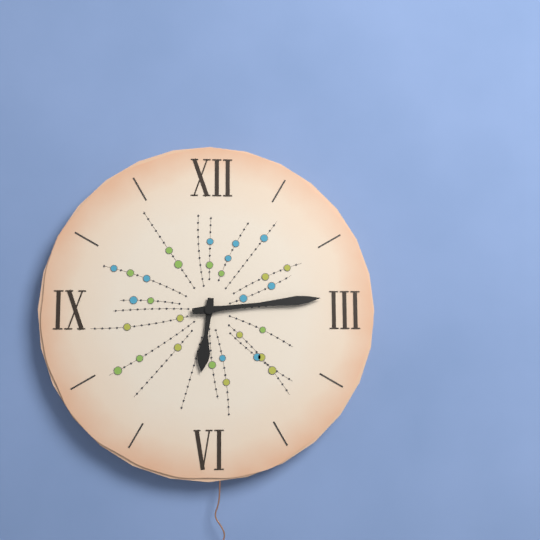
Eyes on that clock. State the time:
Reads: 6:14
